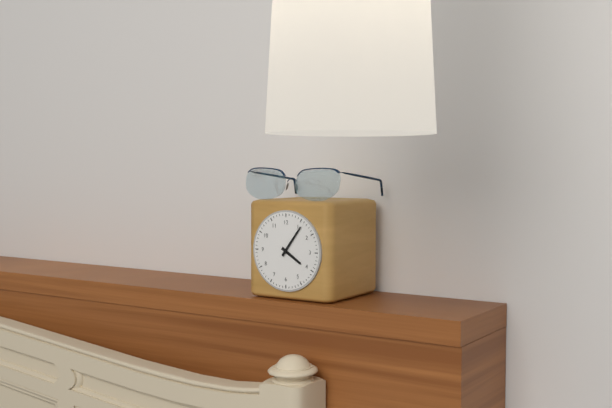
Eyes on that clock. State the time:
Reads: 4:06
